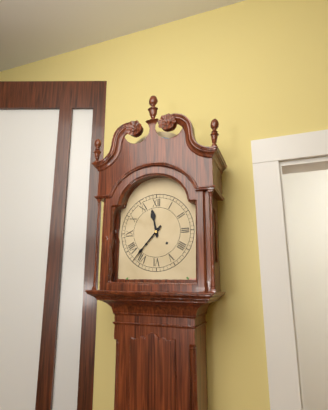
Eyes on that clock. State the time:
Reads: 11:37
